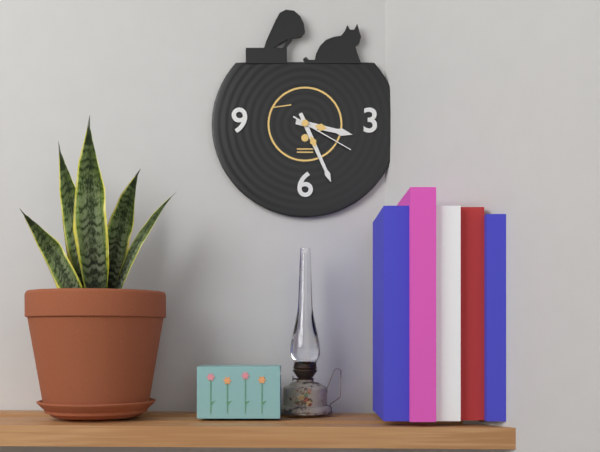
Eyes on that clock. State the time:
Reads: 3:26:20
